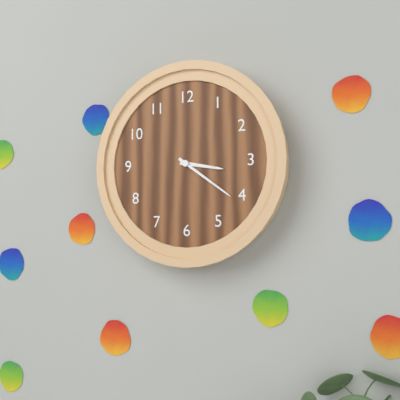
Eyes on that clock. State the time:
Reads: 3:21
